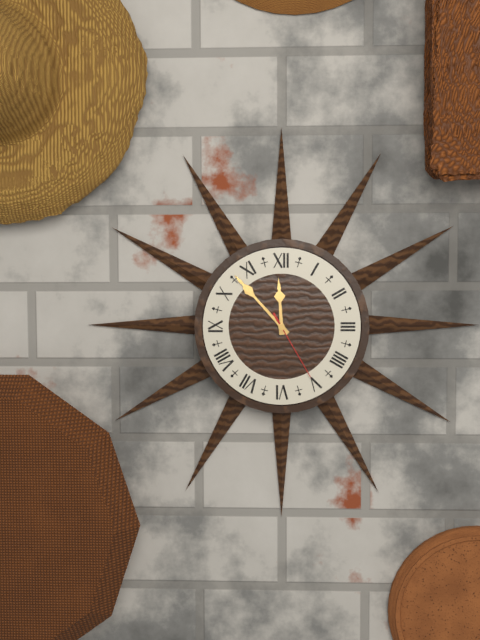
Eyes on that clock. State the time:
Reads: 11:53:25
